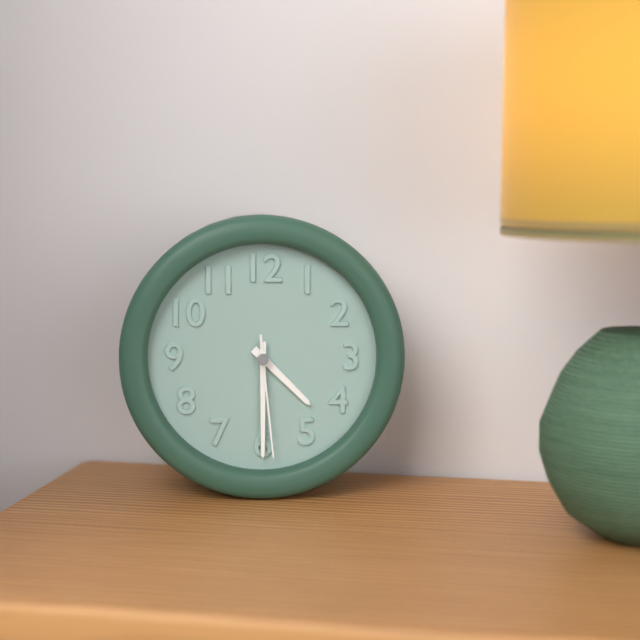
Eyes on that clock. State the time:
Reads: 4:30:29
